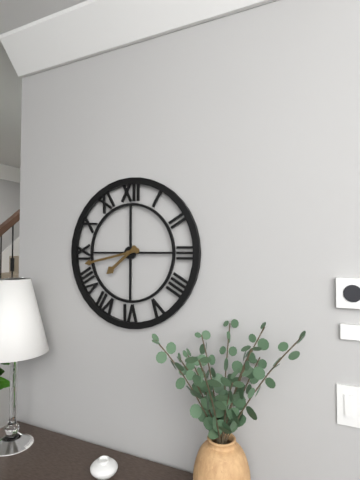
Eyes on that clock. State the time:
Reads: 7:43
